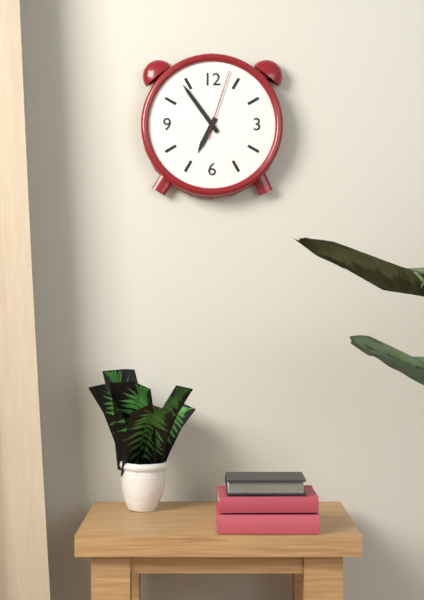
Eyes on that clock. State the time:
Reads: 6:54:03
